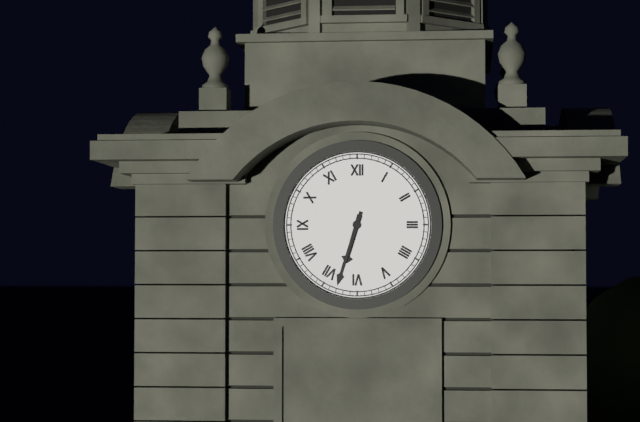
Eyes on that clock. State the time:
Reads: 6:33
